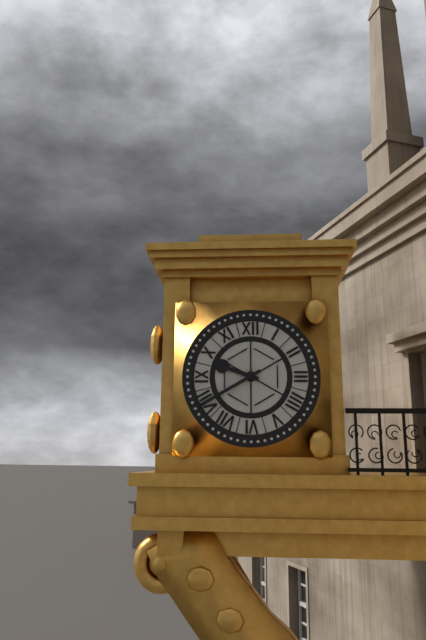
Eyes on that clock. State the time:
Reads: 9:40
